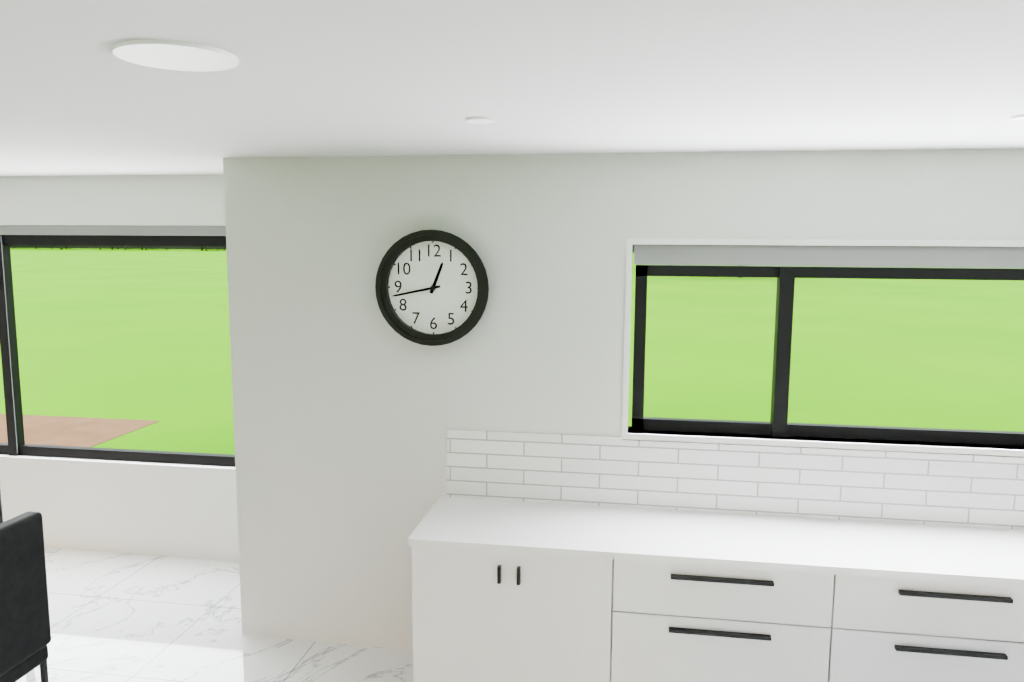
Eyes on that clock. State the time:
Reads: 12:43
